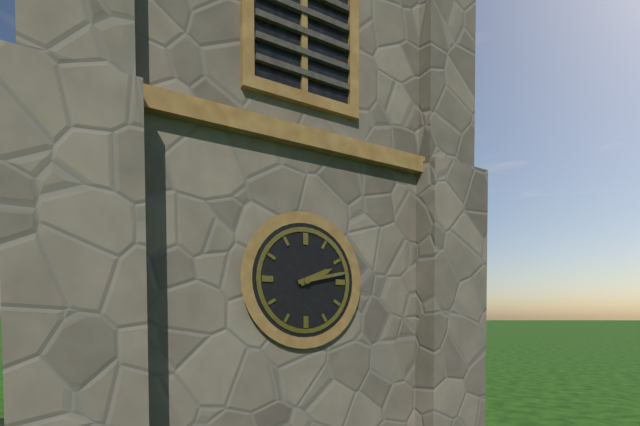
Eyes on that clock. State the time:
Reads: 2:13
